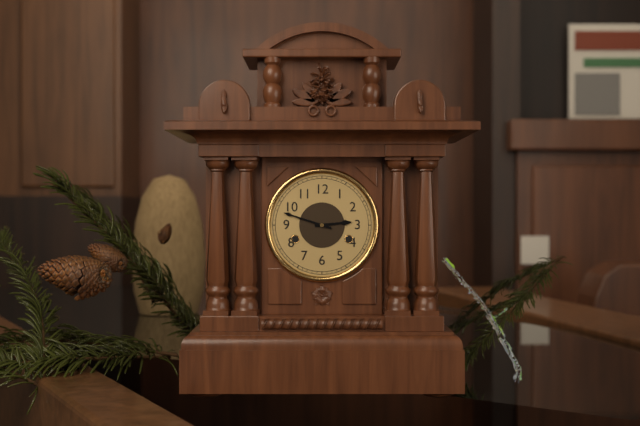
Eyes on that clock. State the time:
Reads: 2:48
